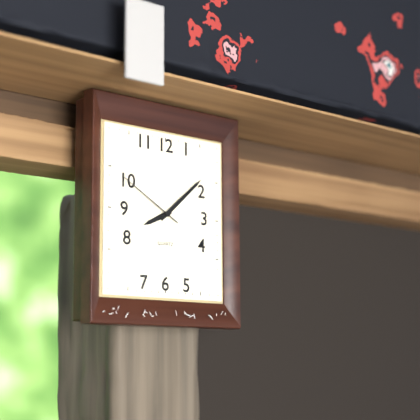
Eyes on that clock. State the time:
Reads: 8:08:50
